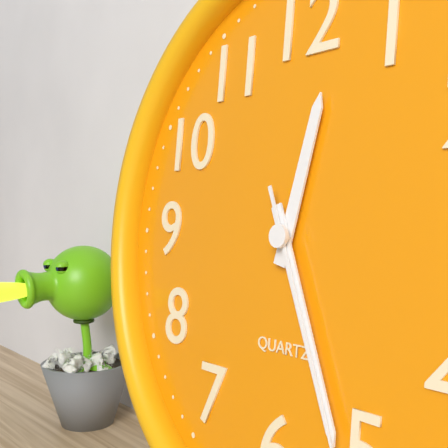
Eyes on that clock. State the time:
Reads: 12:26
